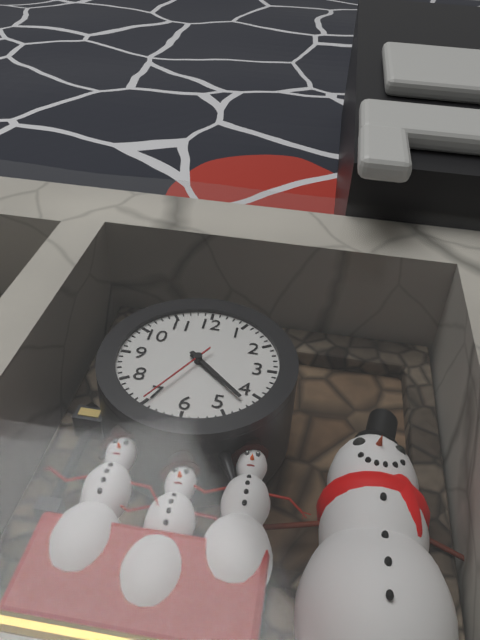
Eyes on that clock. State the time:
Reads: 4:22:35
